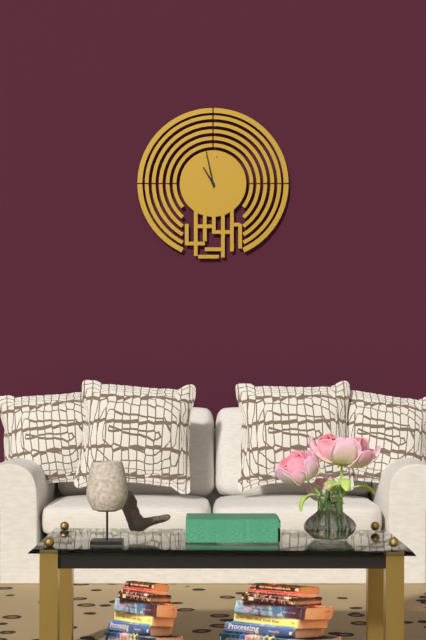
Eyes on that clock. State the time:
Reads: 10:58
